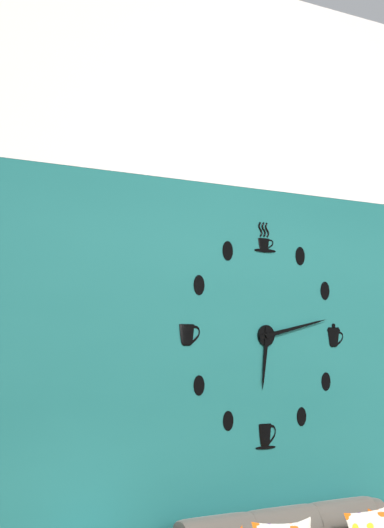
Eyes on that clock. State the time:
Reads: 6:13
